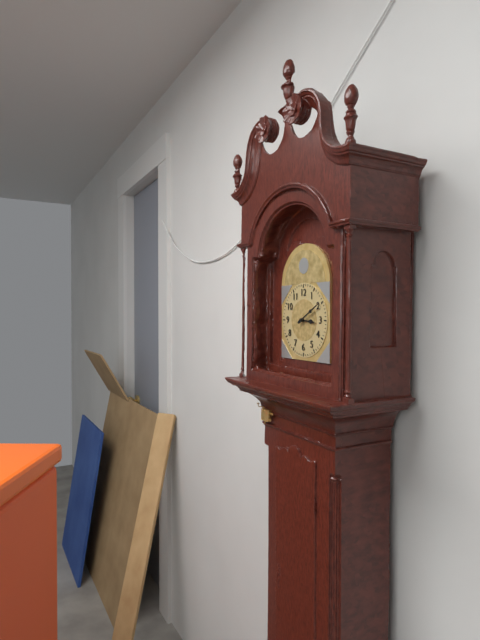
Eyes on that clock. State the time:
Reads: 3:10
